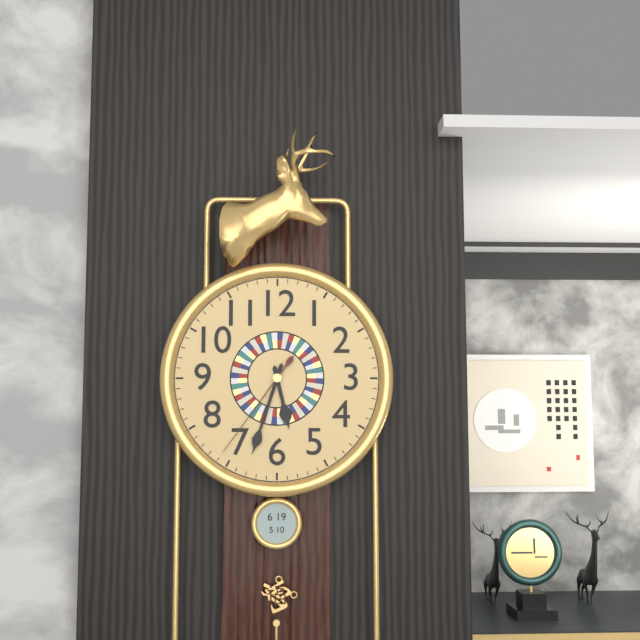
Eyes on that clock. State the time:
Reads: 5:33:36
